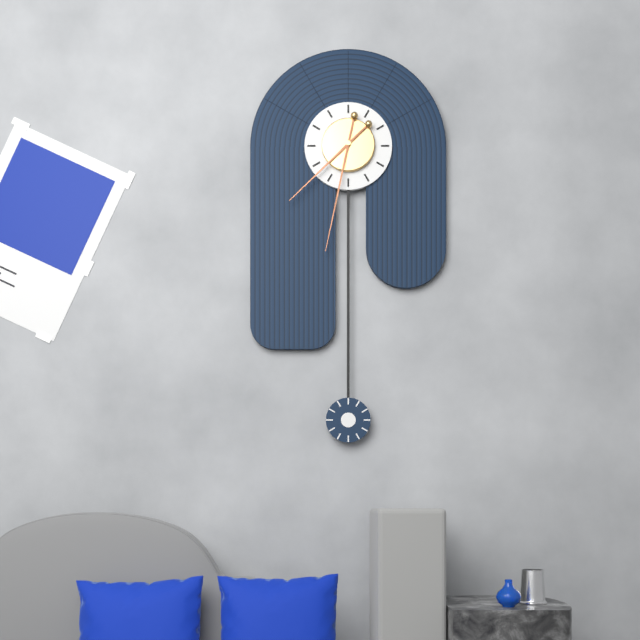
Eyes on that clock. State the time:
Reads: 7:32
